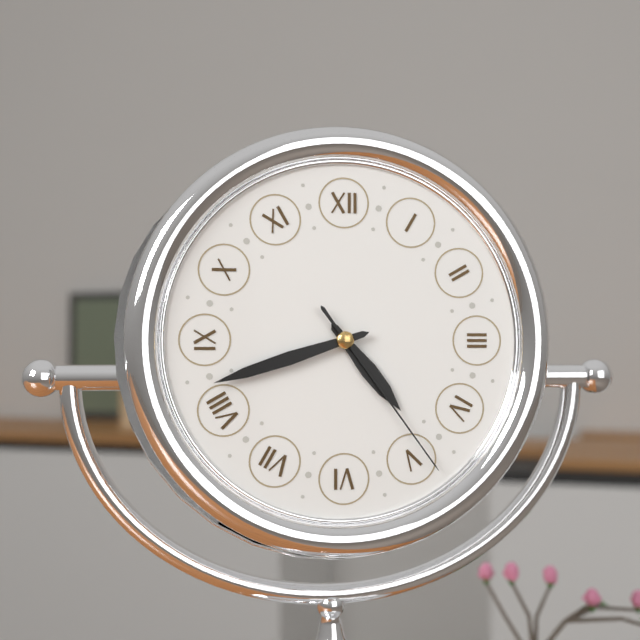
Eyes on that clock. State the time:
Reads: 4:42:24
